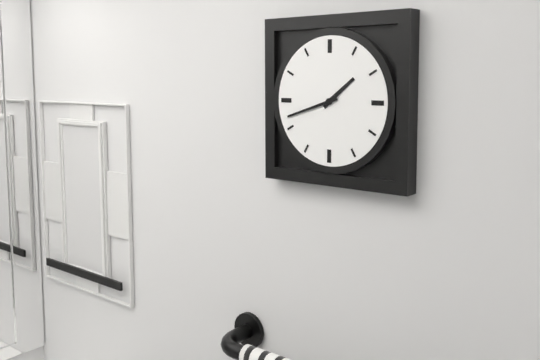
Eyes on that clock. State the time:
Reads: 1:42
